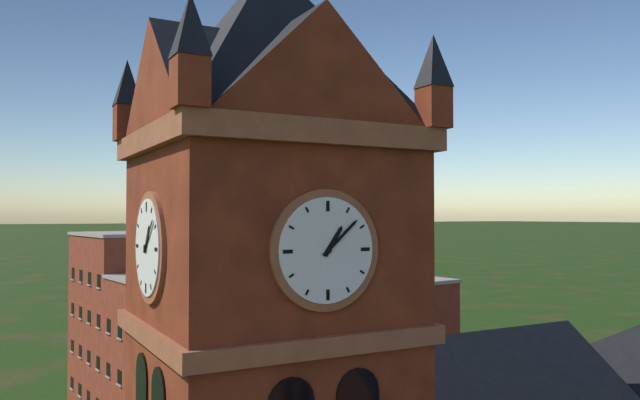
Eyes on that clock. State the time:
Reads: 1:08
